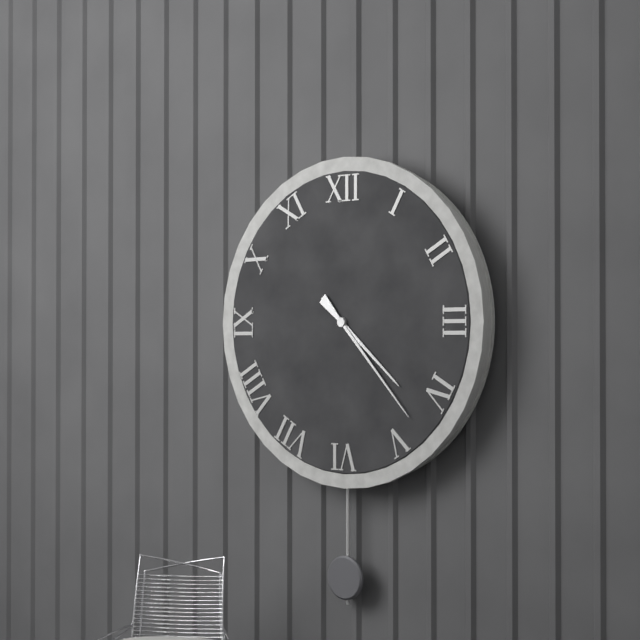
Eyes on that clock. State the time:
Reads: 4:23
